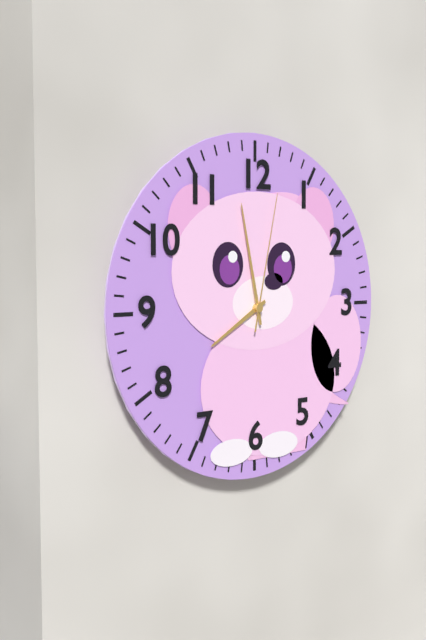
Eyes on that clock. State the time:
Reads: 7:58:02
